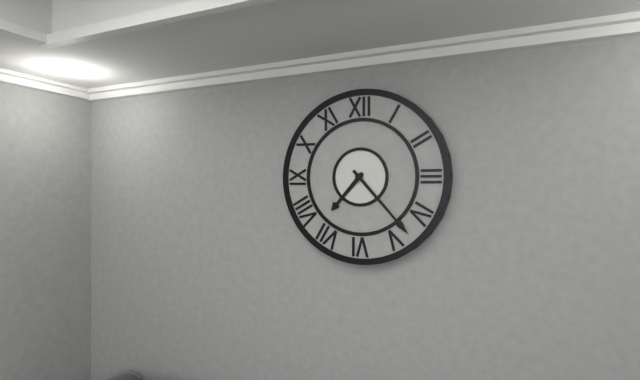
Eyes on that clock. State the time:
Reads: 7:23
